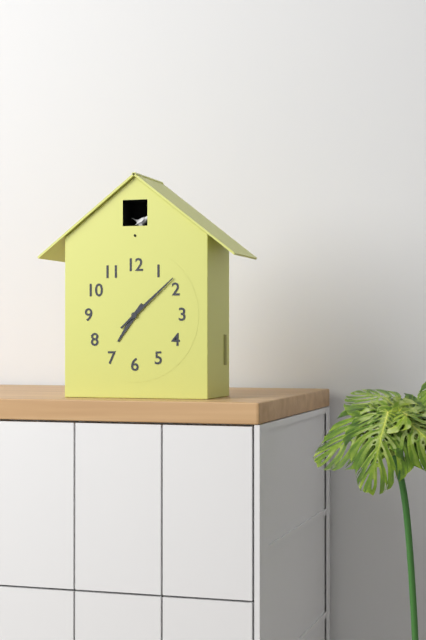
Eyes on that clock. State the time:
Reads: 7:08
